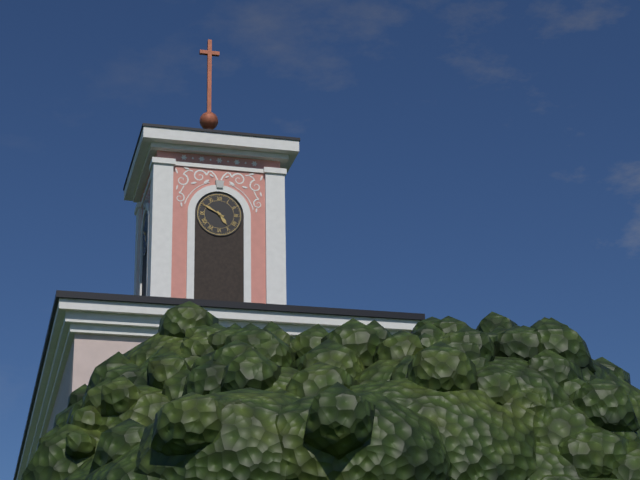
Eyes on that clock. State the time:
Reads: 4:50
